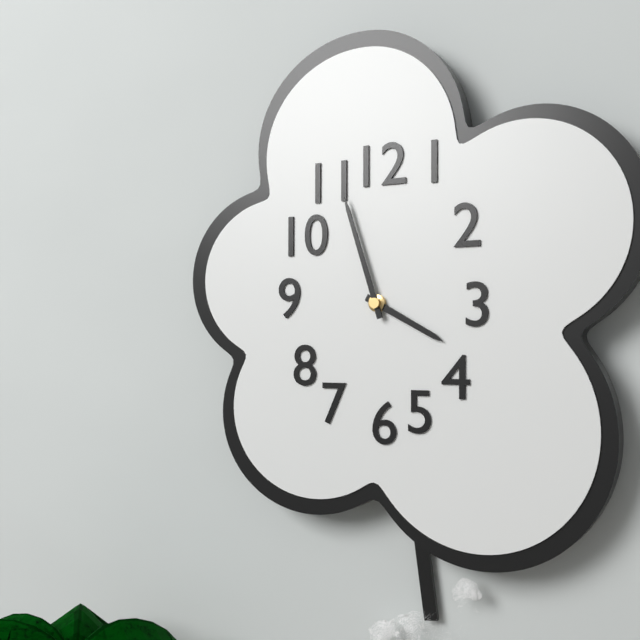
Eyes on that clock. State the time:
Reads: 3:57
